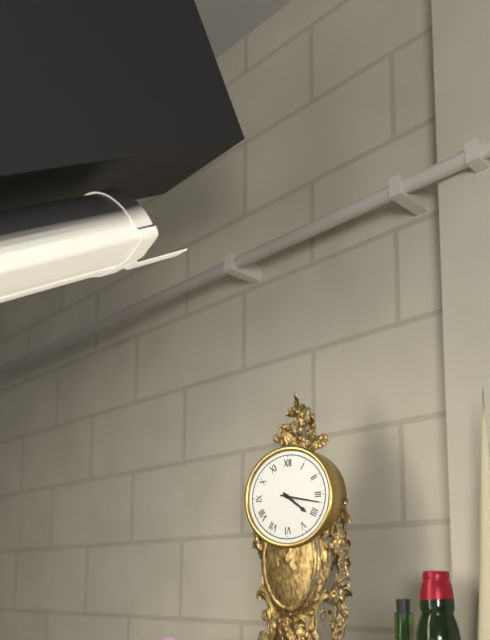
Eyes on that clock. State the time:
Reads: 4:17
